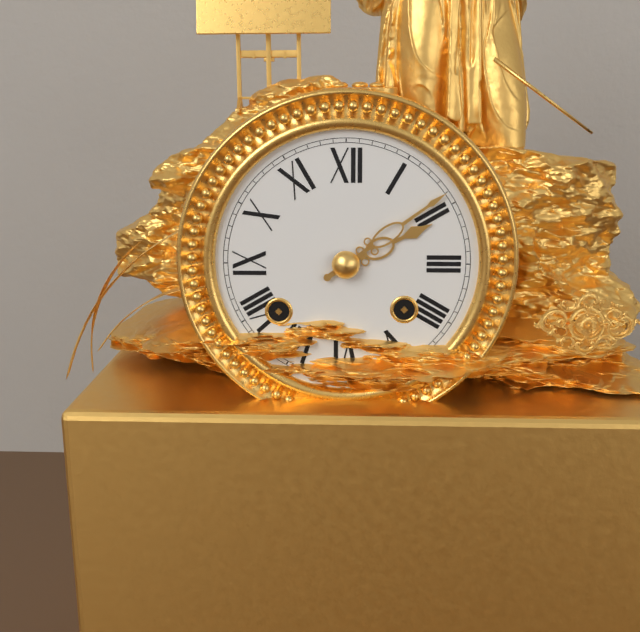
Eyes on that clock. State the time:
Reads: 2:09
